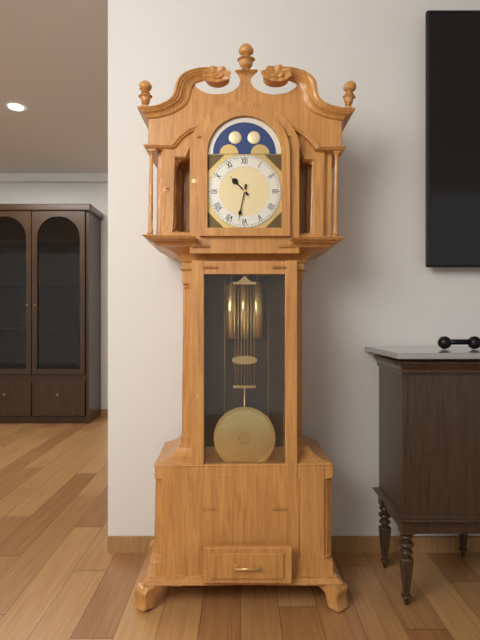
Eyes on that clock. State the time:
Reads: 10:32
